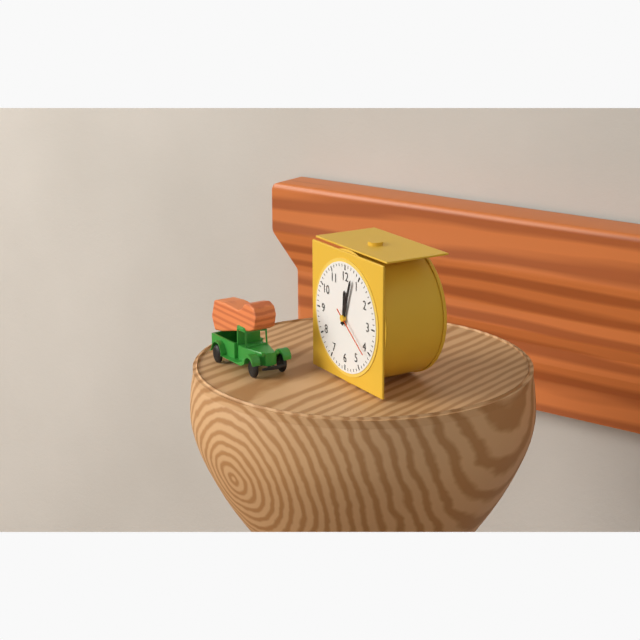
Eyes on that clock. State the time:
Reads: 12:03:21
